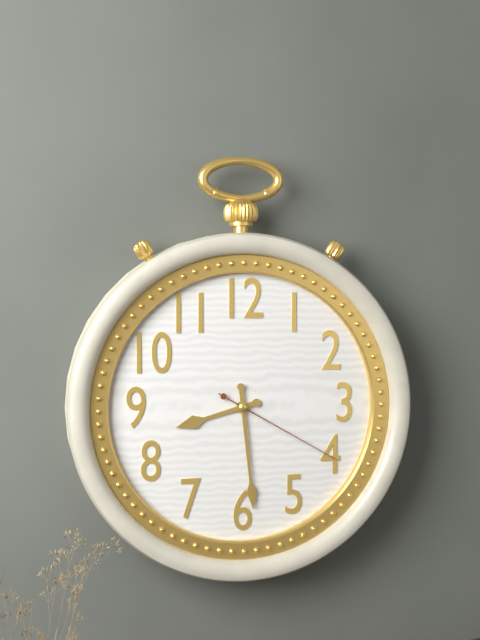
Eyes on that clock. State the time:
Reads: 8:29:20
